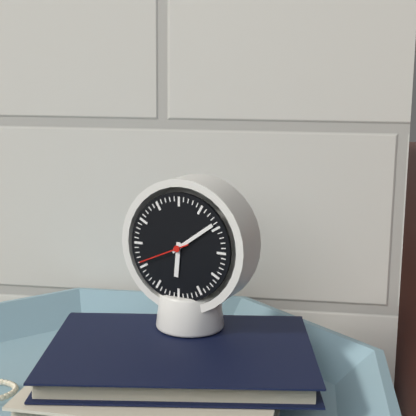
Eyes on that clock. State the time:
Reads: 6:09:41
